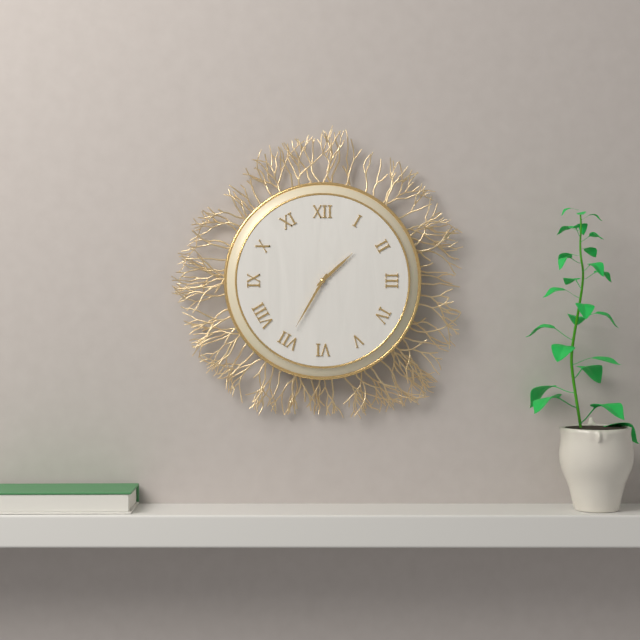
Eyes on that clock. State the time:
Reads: 1:35
